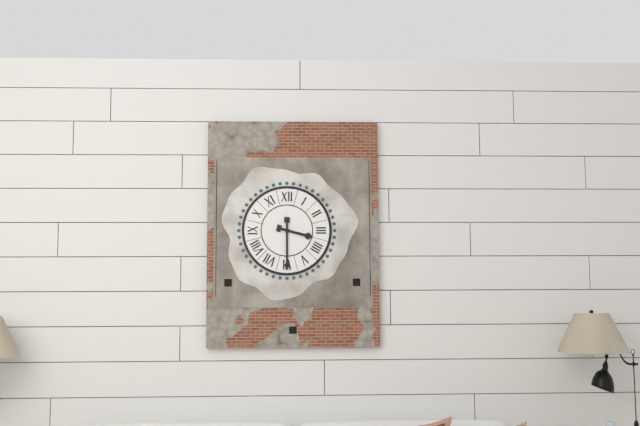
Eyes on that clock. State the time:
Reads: 3:30
